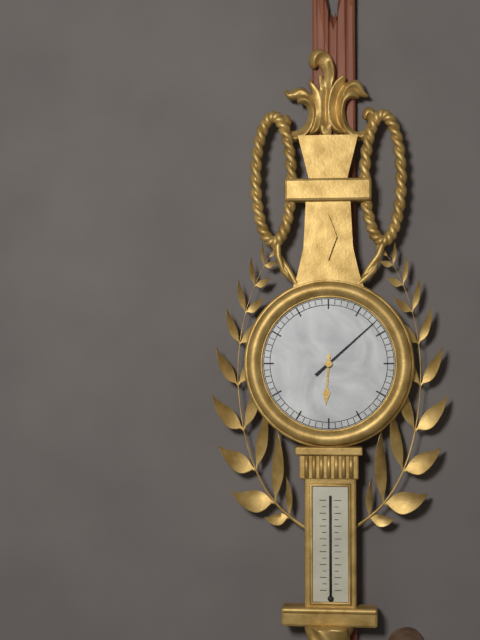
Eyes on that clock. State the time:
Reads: 6:08
